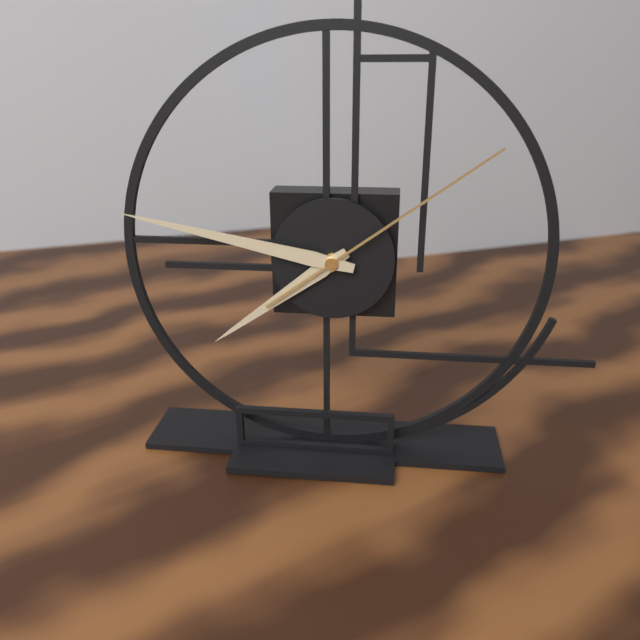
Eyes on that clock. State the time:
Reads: 7:47:09
